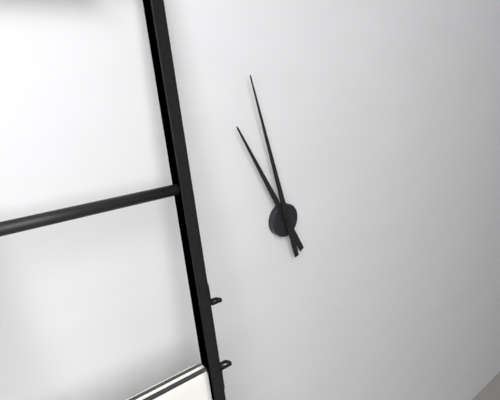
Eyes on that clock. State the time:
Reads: 10:57
